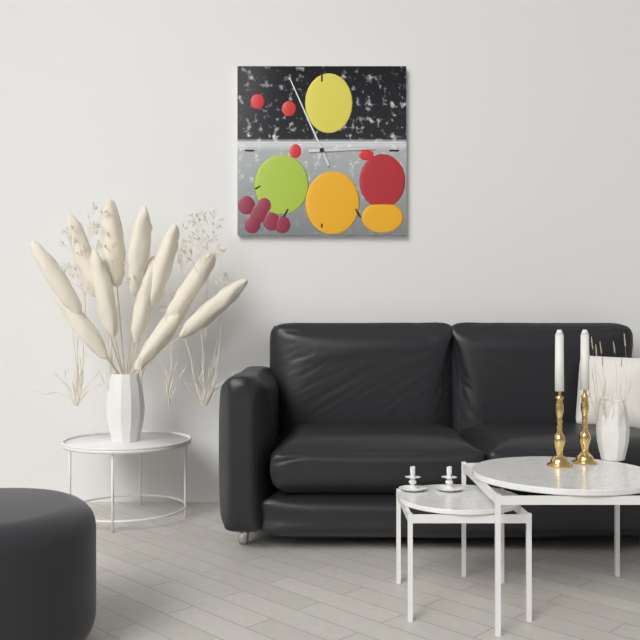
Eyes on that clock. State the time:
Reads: 2:56
